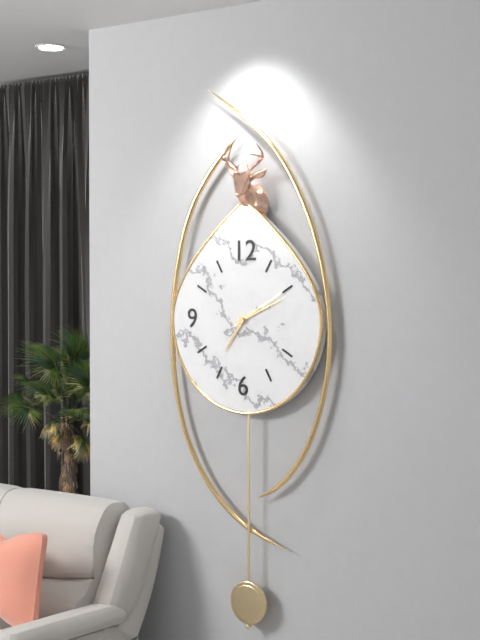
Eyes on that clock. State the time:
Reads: 7:11:10
